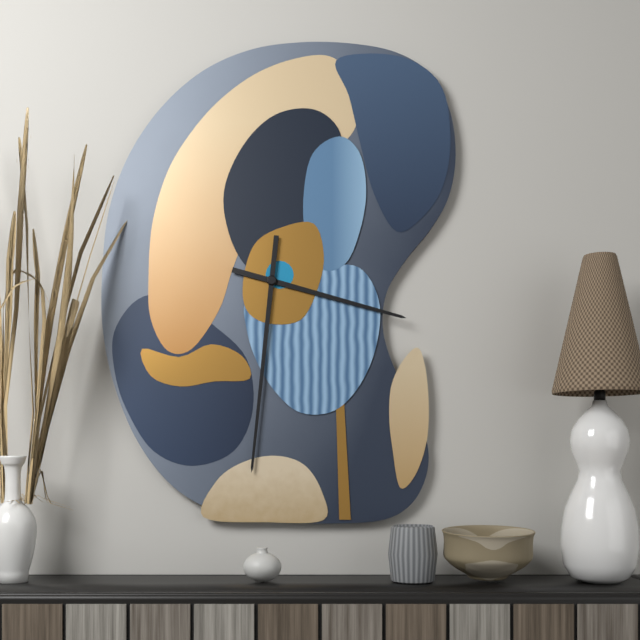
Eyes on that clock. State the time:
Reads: 3:31
